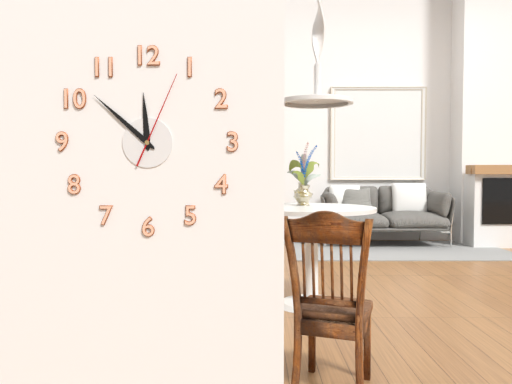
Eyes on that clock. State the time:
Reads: 11:52:04
